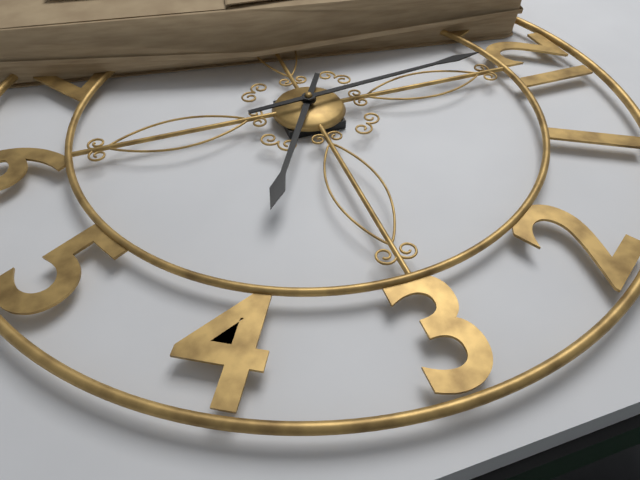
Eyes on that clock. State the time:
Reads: 3:59
